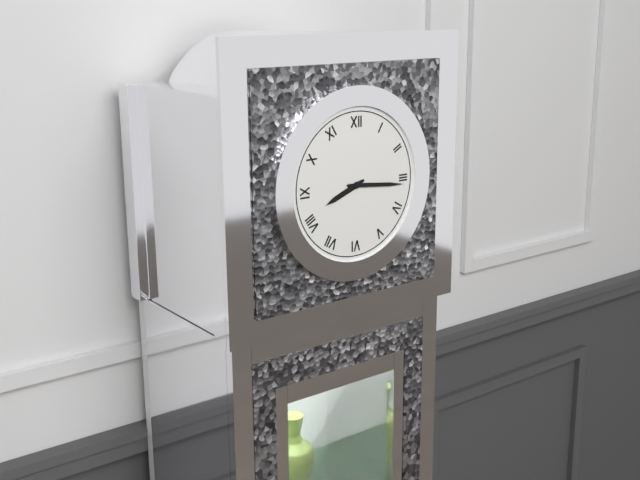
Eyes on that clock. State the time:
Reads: 8:16
